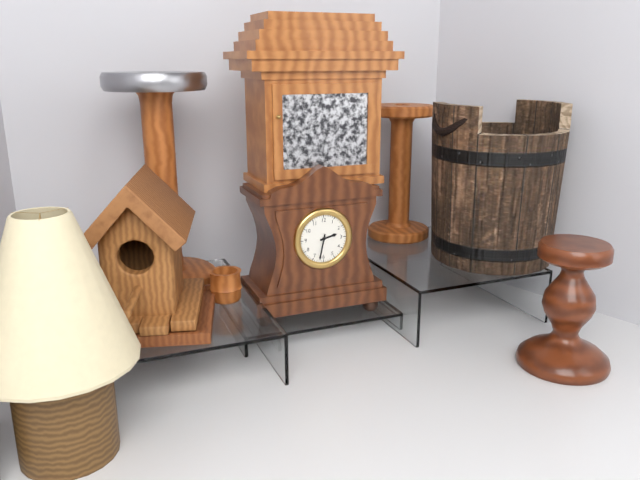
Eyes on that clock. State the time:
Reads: 2:32
